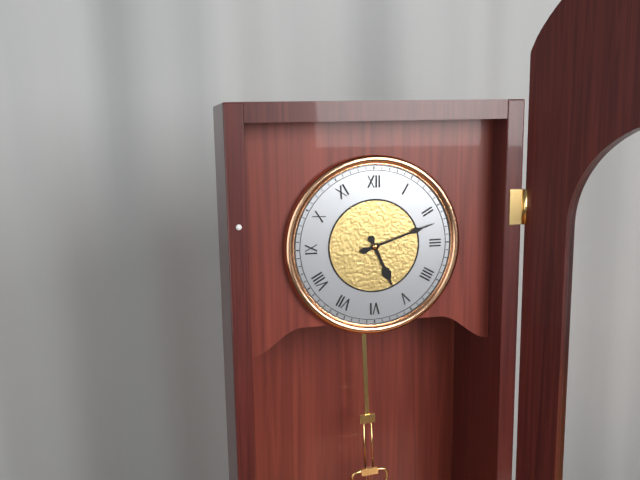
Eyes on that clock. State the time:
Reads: 5:12
